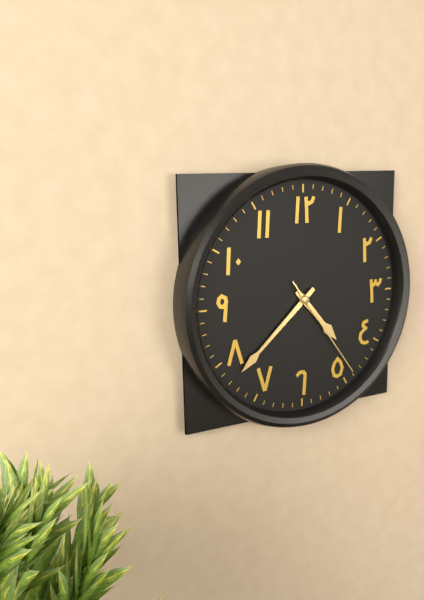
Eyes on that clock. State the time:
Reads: 4:38:24
